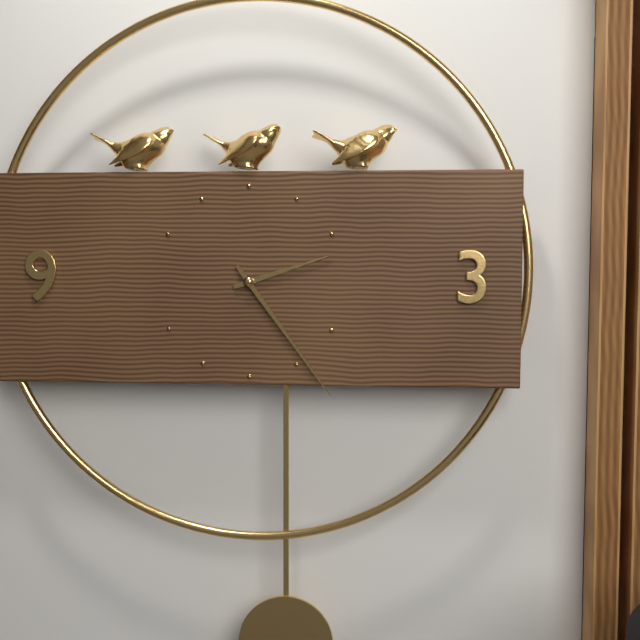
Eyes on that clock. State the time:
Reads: 2:24
